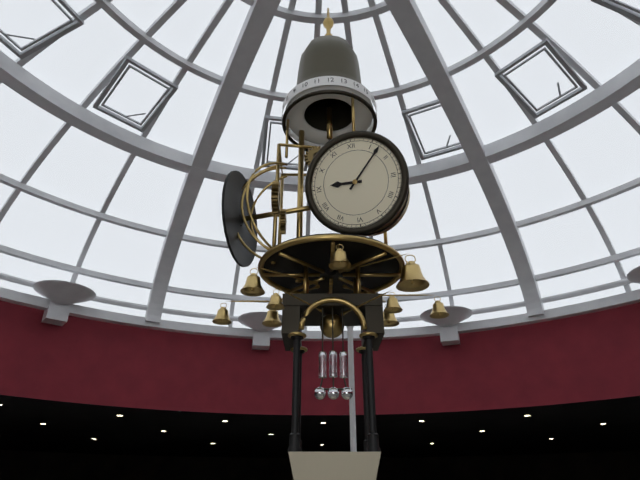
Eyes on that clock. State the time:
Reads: 9:07
